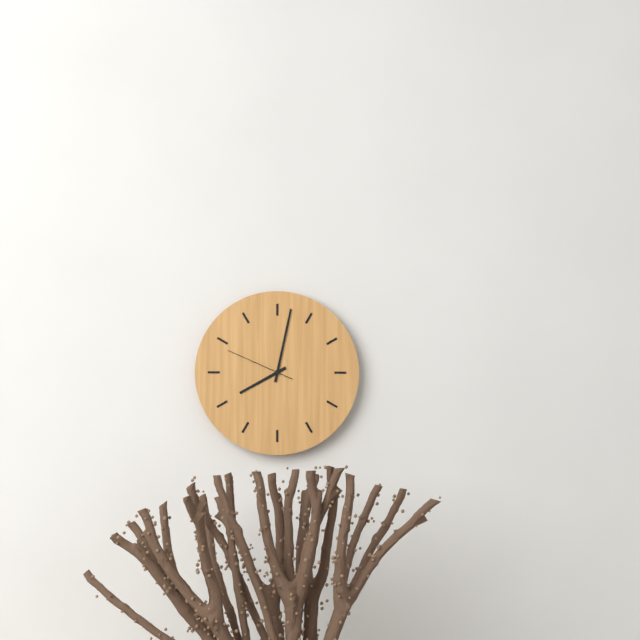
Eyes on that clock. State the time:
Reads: 8:02:49
